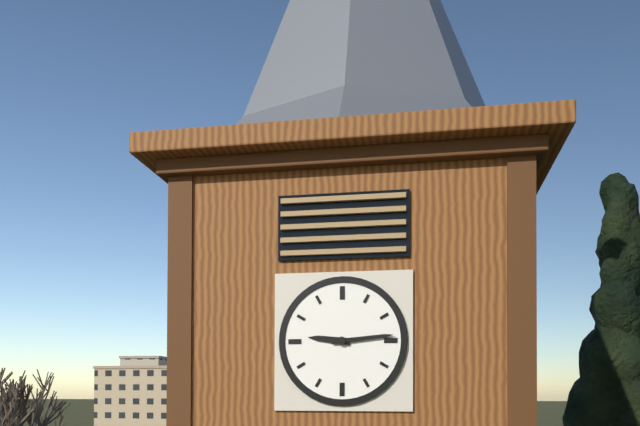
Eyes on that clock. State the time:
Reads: 9:14
